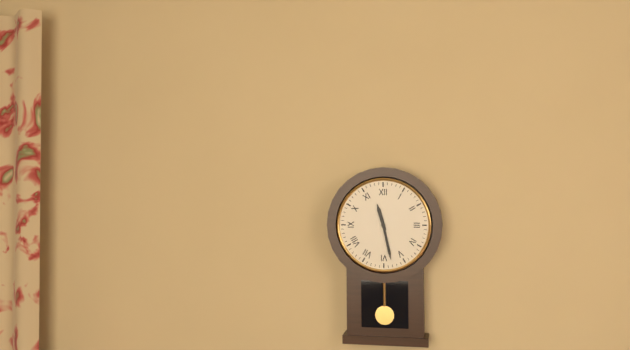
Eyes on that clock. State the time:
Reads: 11:28
